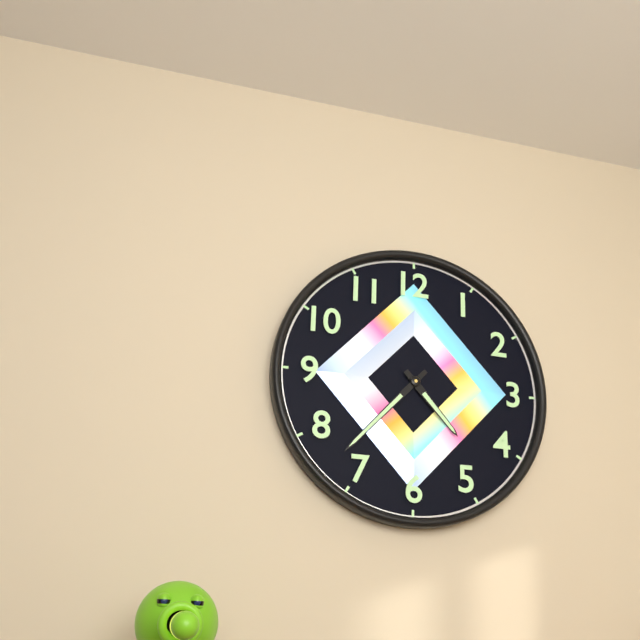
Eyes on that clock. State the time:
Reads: 4:37
